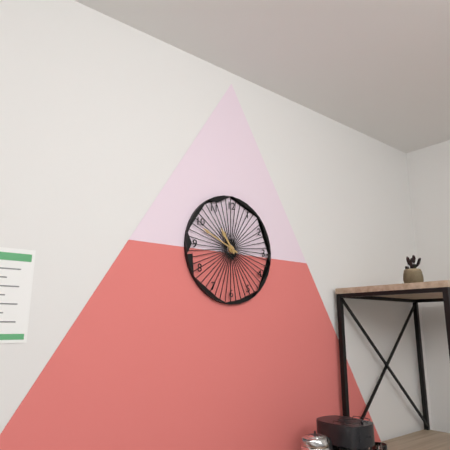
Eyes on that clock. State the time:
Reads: 10:49
